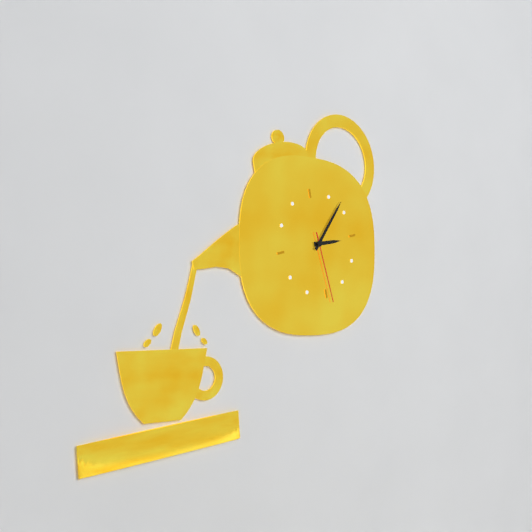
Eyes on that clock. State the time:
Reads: 3:08:29
